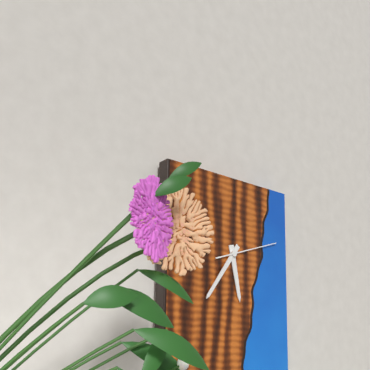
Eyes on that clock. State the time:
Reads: 5:36:12
